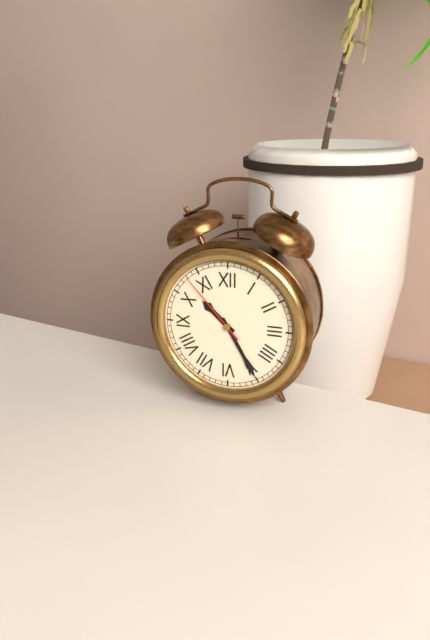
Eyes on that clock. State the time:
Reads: 10:25:53
